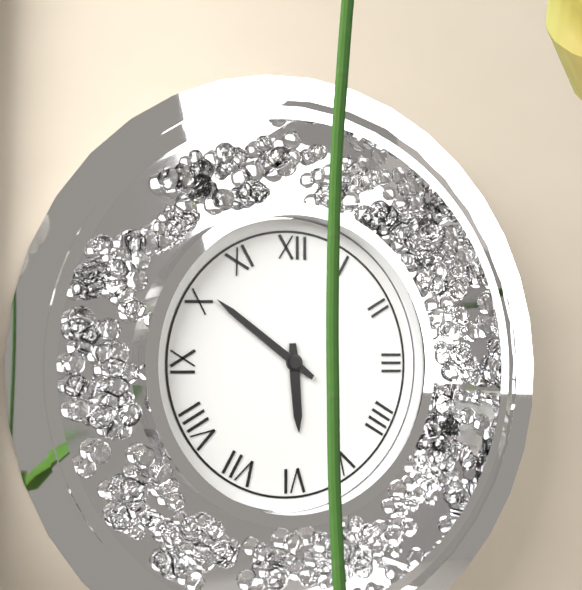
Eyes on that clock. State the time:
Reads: 5:51
